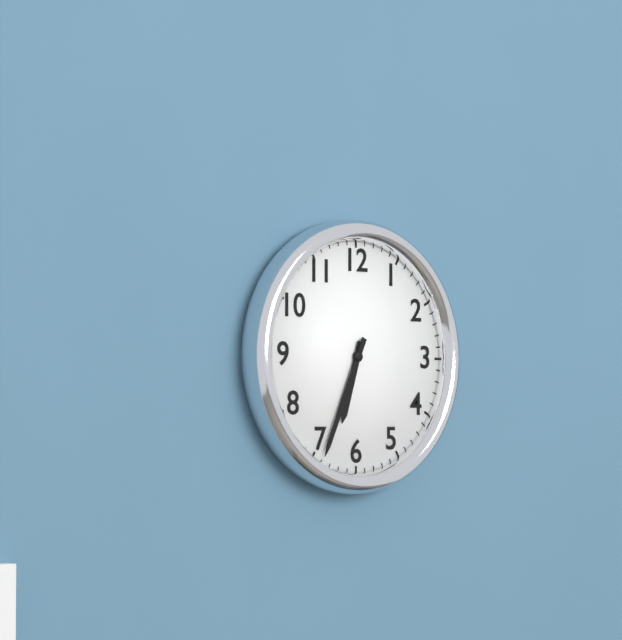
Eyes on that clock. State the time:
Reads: 6:34
